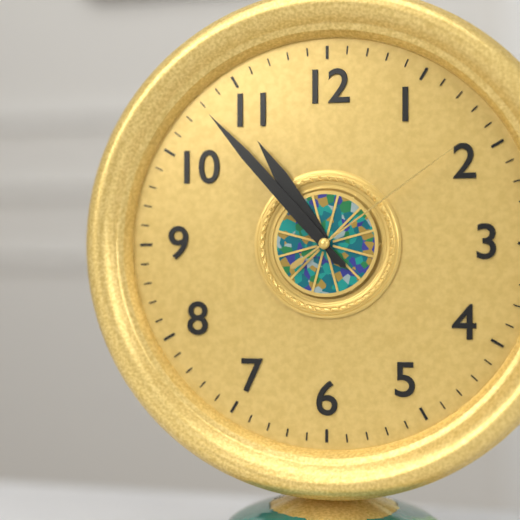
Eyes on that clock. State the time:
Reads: 10:53:09
